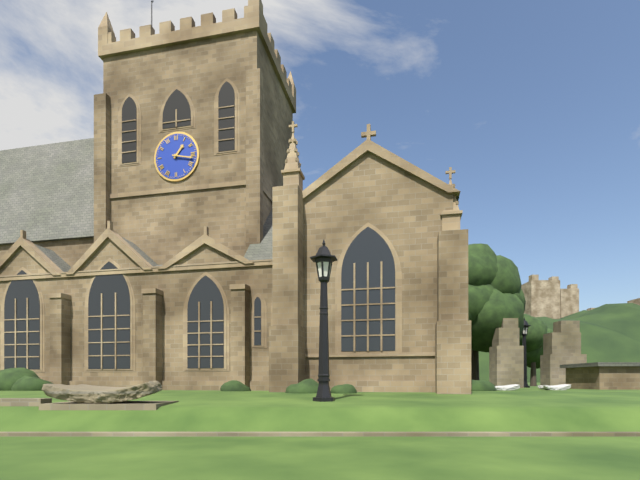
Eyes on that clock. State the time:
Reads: 1:17
